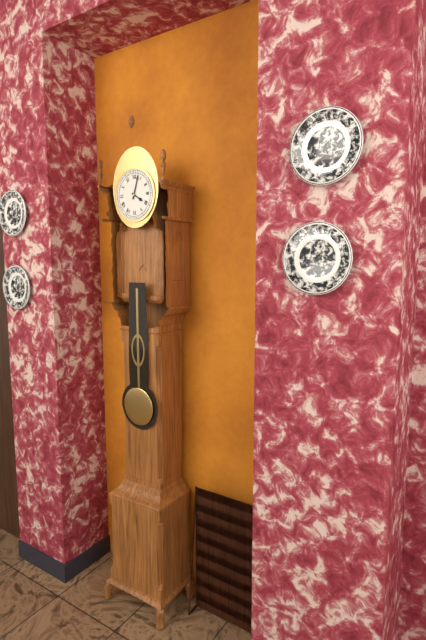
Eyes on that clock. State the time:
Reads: 4:03
